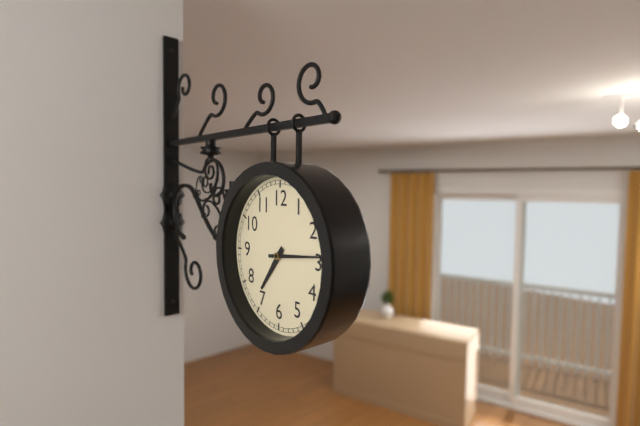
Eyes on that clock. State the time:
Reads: 7:14
